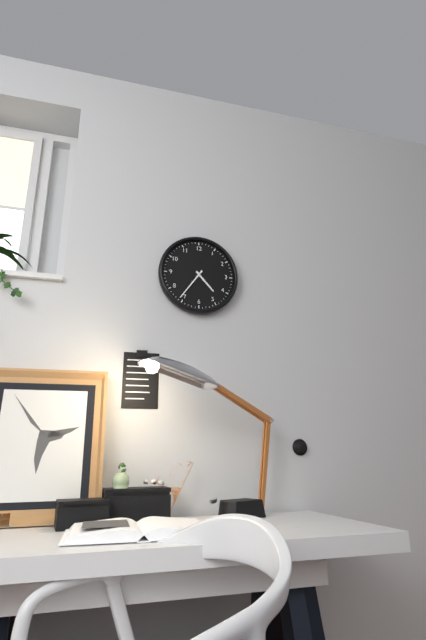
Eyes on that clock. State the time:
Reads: 4:36
